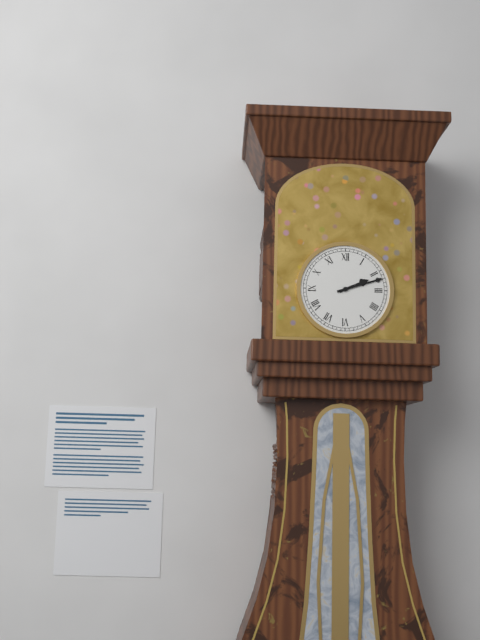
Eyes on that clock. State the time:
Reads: 2:12
